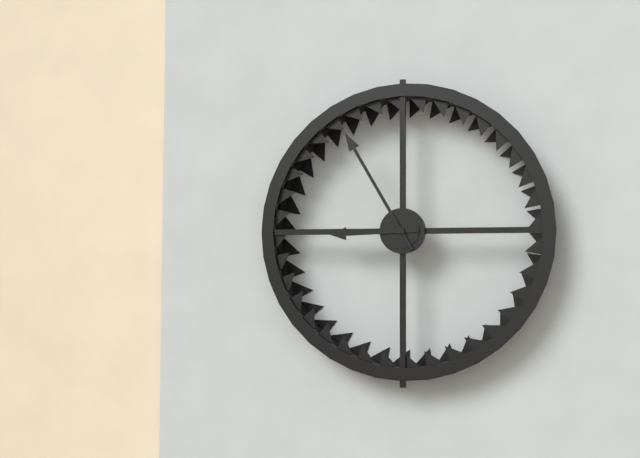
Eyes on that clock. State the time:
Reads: 8:55
